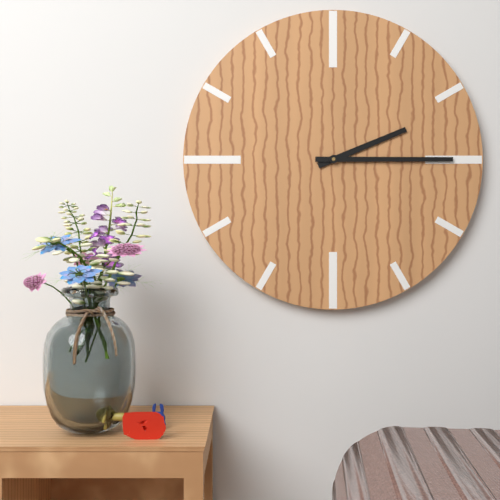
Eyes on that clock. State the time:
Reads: 2:15
